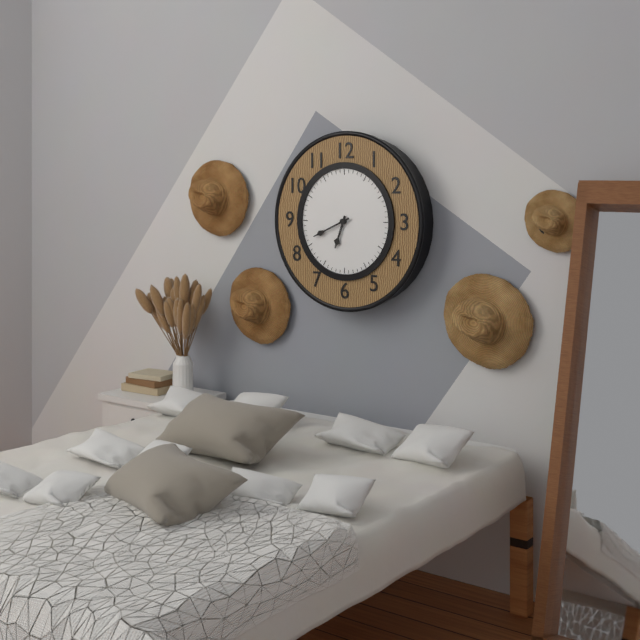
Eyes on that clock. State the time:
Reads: 6:41
